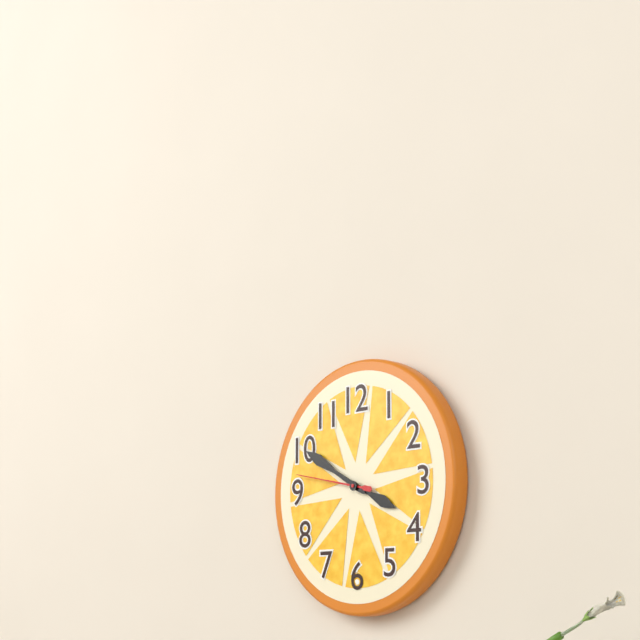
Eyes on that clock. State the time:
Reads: 3:50:47
